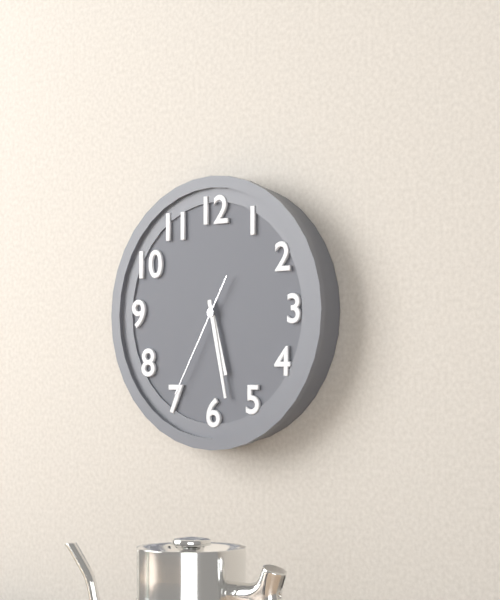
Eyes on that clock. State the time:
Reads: 5:28:35
